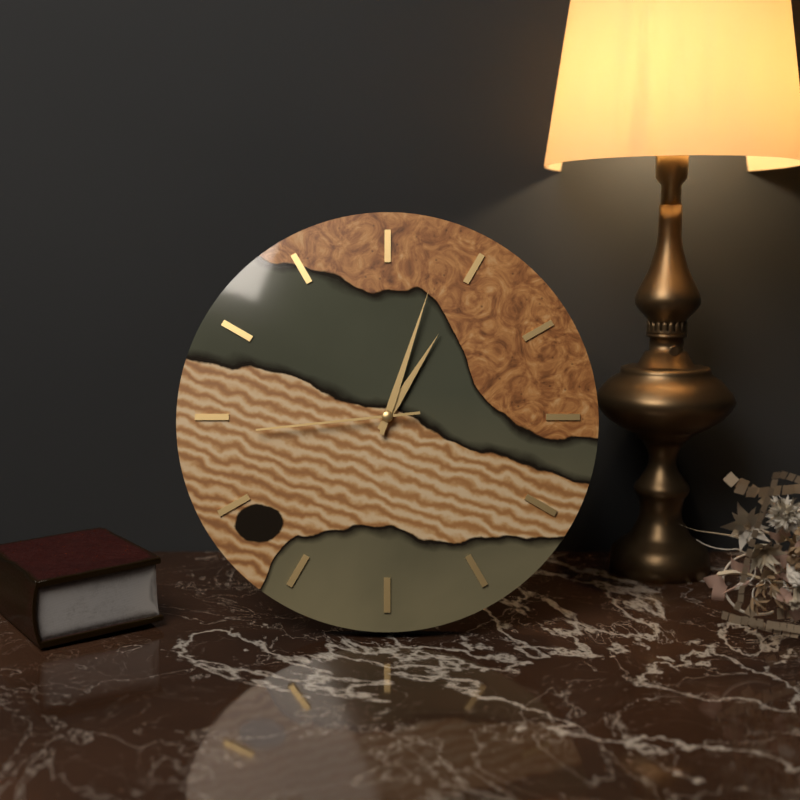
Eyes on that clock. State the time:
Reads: 1:03:44
